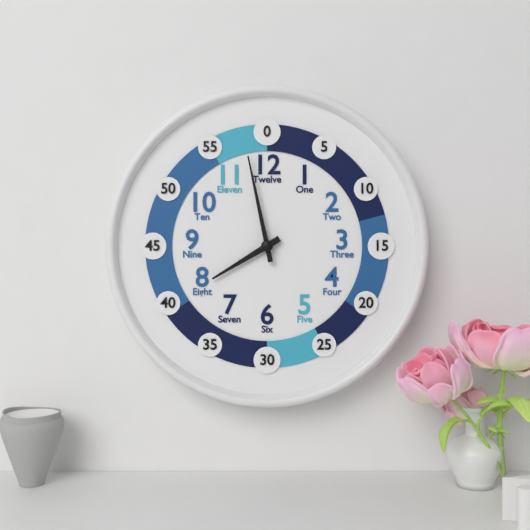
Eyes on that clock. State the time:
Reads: 7:58
